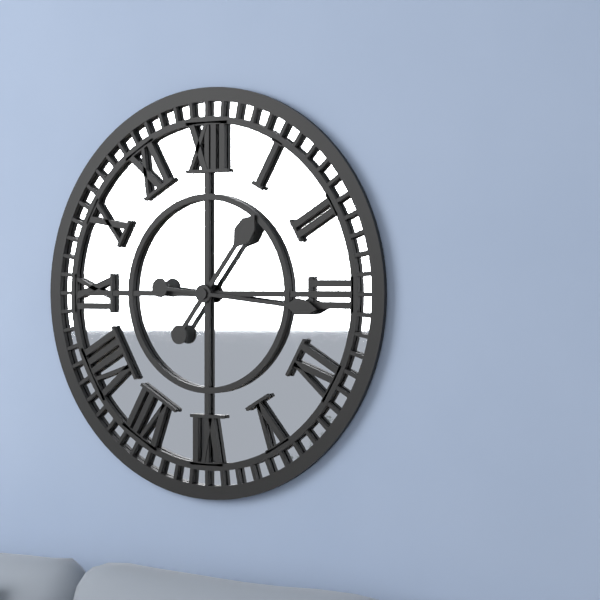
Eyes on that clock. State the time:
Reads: 1:16
